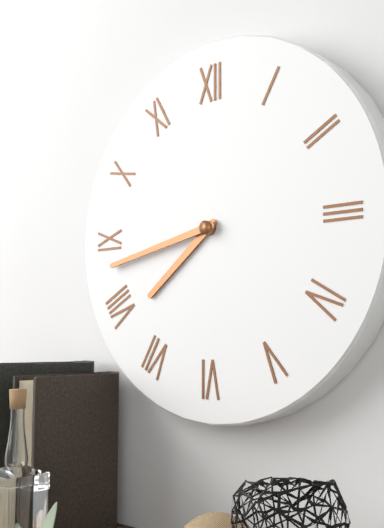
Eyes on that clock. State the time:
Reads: 7:43
